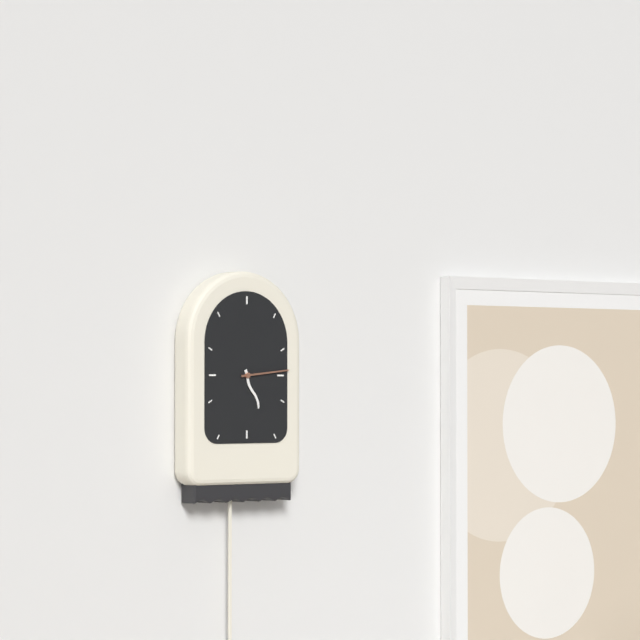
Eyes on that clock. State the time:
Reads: 5:14
